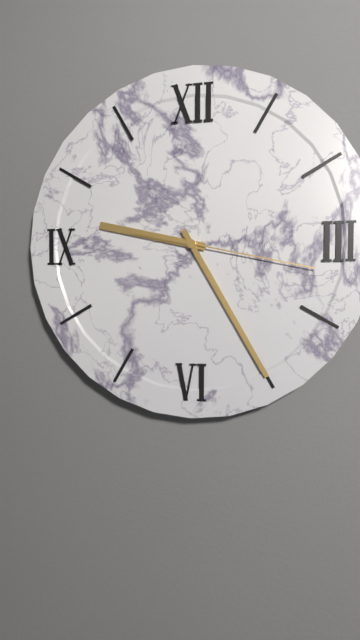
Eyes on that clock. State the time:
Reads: 9:25:17
